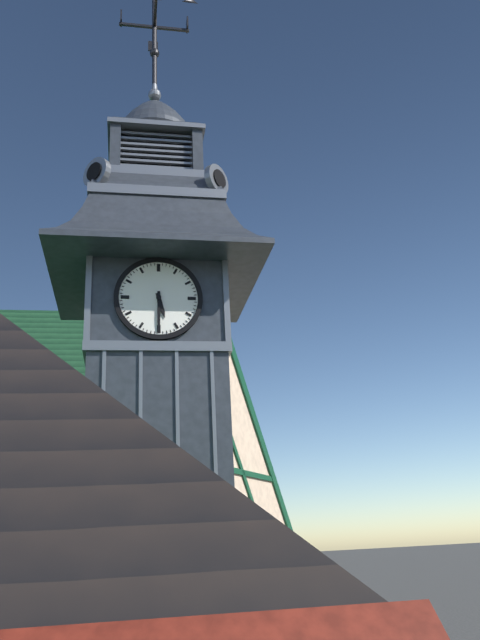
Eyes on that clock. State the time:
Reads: 5:30
